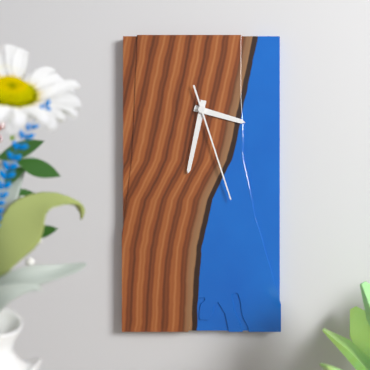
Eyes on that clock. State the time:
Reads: 3:32:27
